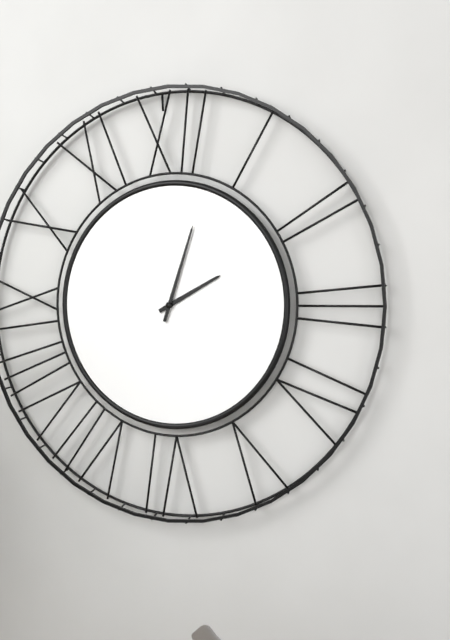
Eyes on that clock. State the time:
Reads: 2:03
